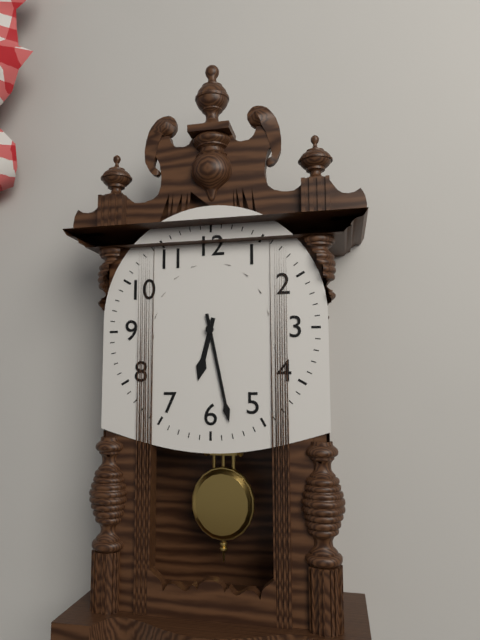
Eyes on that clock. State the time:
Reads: 6:28
